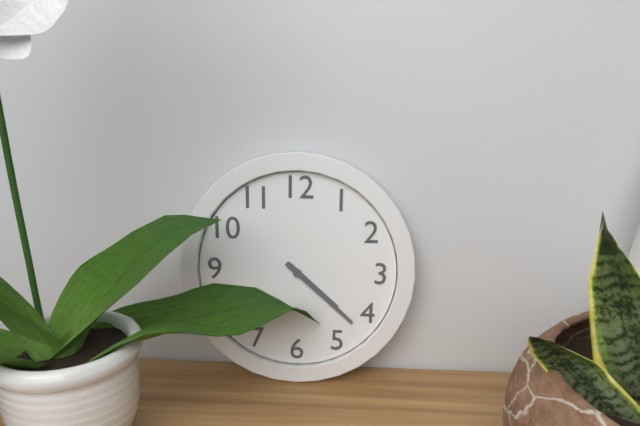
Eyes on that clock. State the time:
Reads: 4:22
